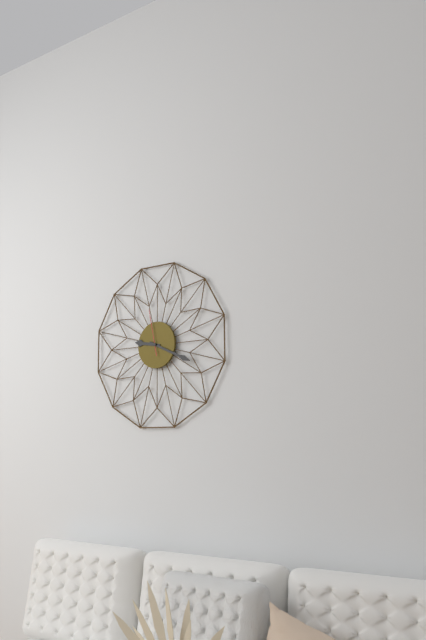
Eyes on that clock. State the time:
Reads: 9:19
